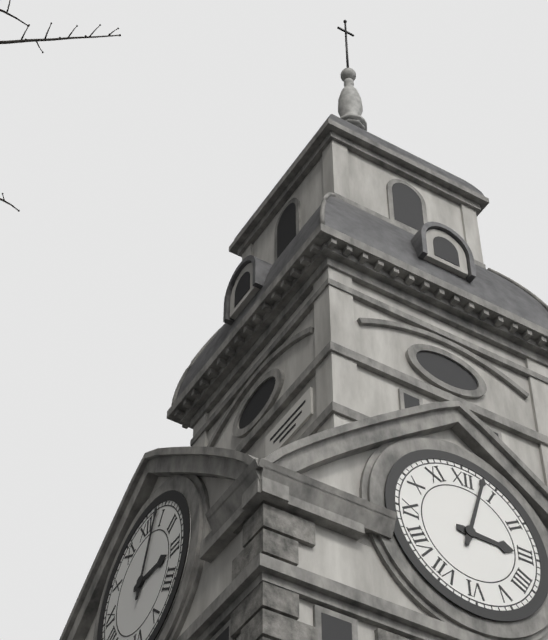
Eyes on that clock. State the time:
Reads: 3:03
